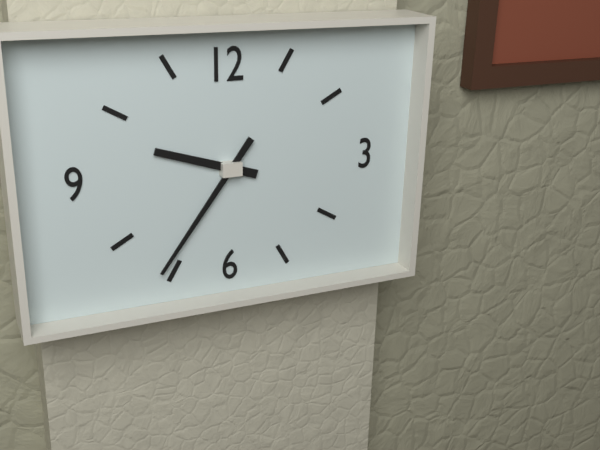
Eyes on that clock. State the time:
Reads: 9:36
